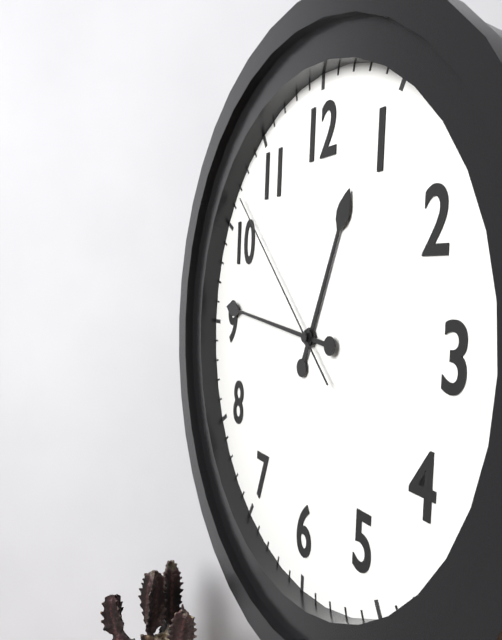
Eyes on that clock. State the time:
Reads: 12:46:52
